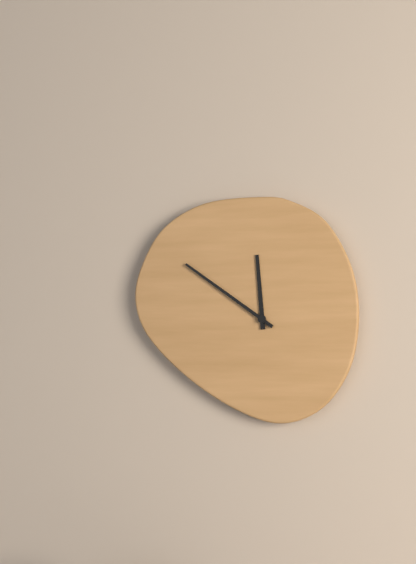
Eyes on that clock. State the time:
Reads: 11:51
